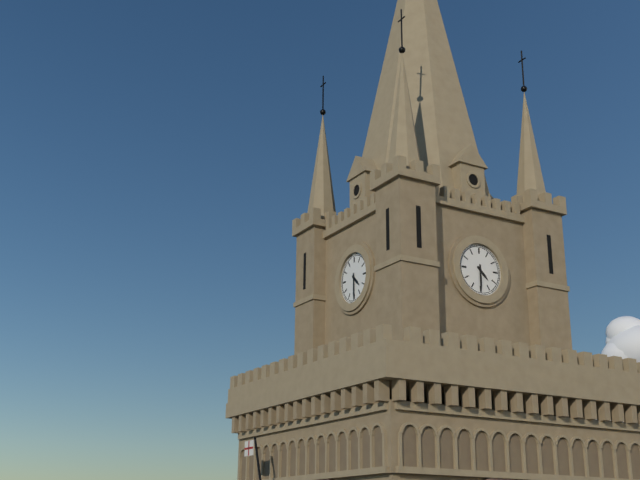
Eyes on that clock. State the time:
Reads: 4:30
